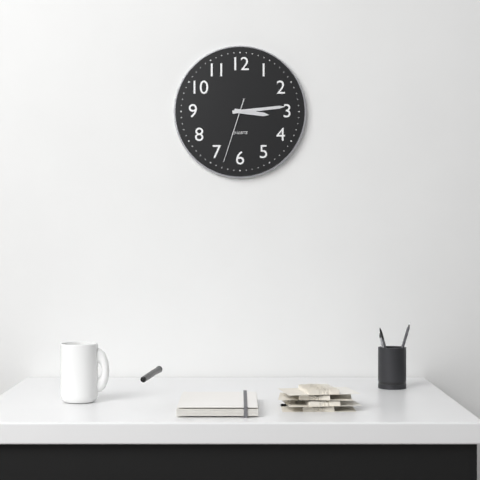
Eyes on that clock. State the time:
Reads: 3:14:33
